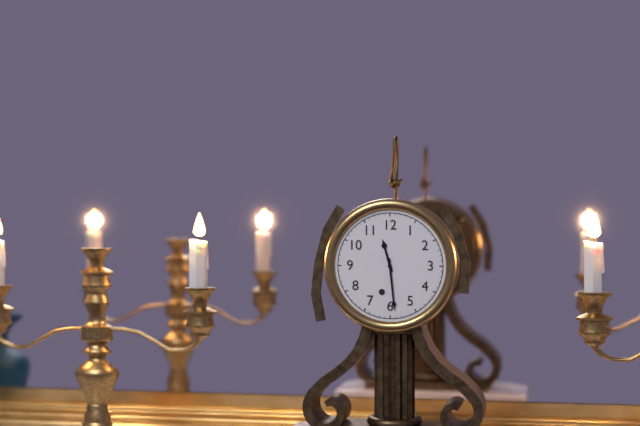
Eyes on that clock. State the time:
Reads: 11:29
